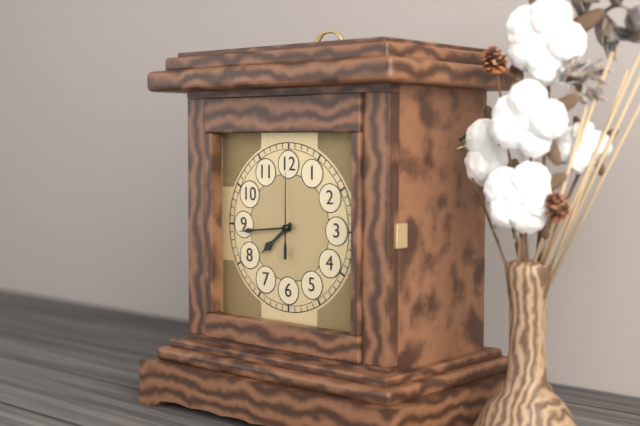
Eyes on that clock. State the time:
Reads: 7:44:00
